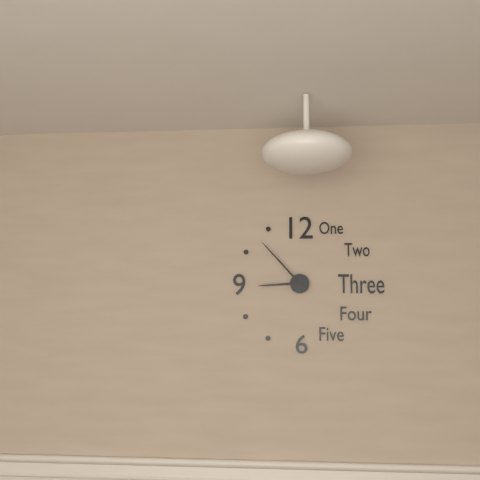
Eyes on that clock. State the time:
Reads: 8:53
